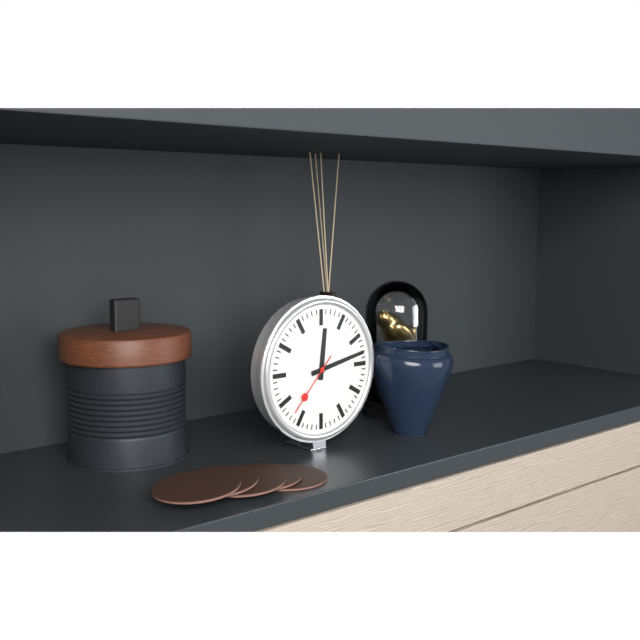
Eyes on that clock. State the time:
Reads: 12:13:37
